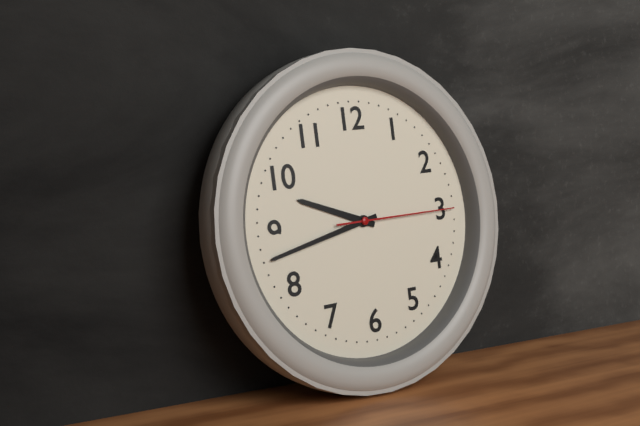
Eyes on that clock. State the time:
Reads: 9:43:15
